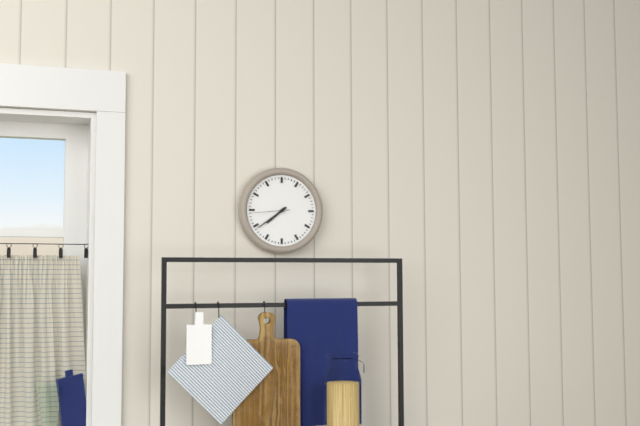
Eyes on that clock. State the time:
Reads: 7:39
